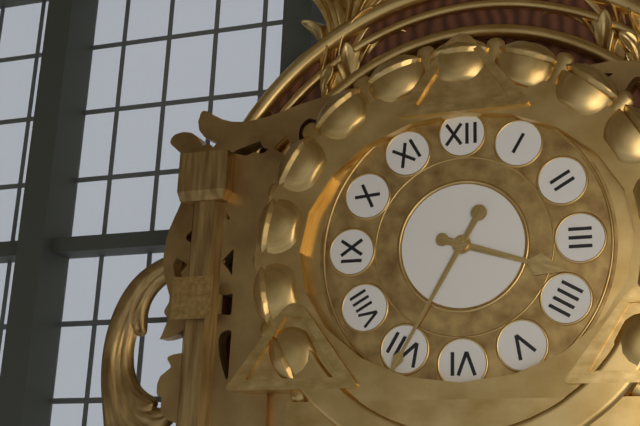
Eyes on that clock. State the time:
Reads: 3:35
